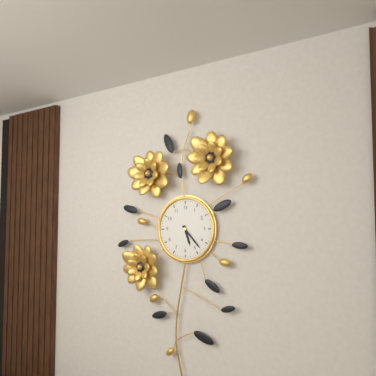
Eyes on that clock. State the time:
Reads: 5:23
